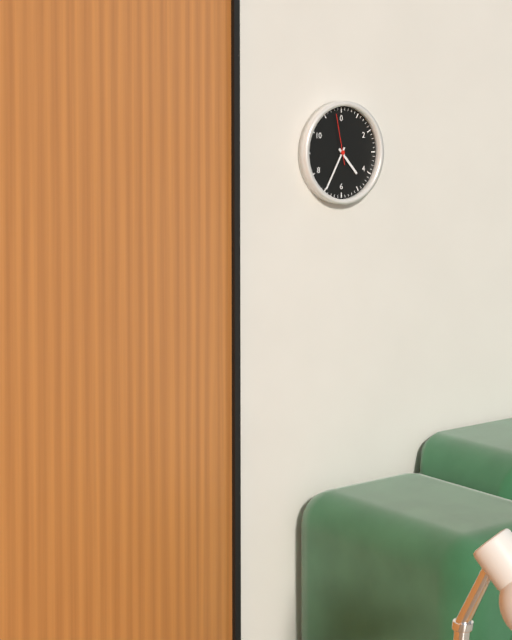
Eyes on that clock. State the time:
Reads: 4:35
